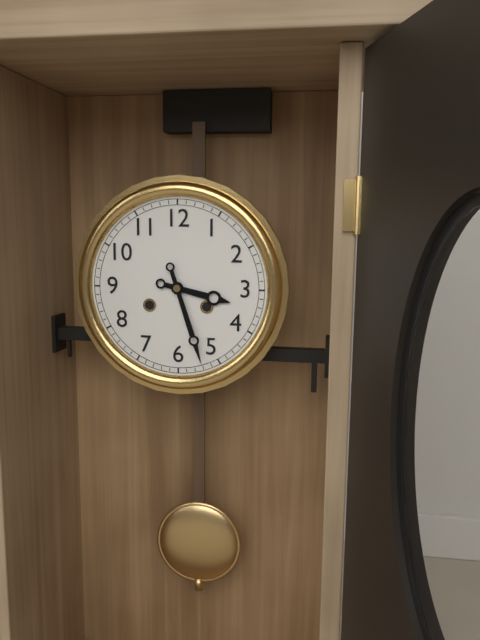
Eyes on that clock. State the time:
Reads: 3:27
